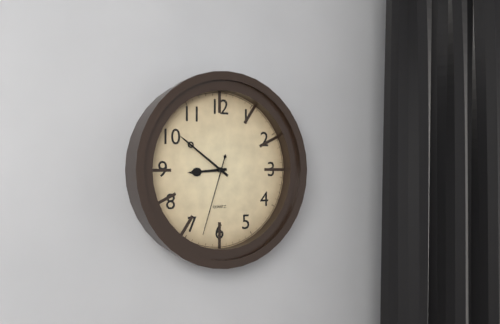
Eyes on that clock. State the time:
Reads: 8:51:33
